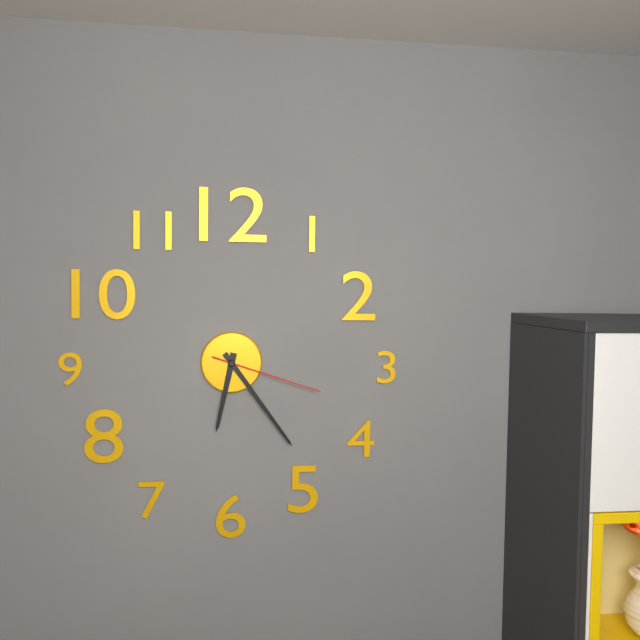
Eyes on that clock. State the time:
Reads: 6:24:18
